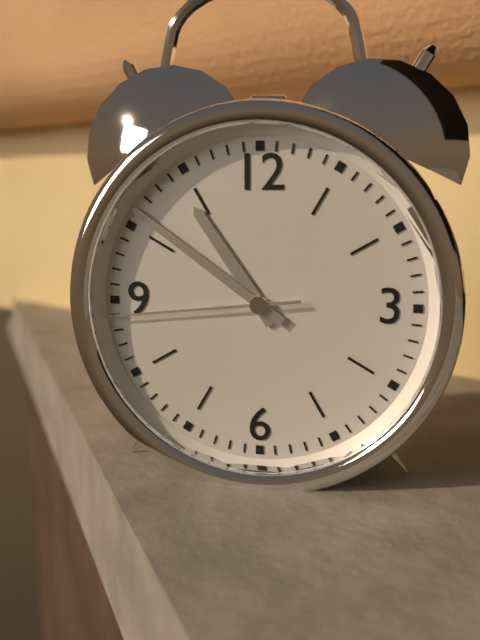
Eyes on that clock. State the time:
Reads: 10:51:44
